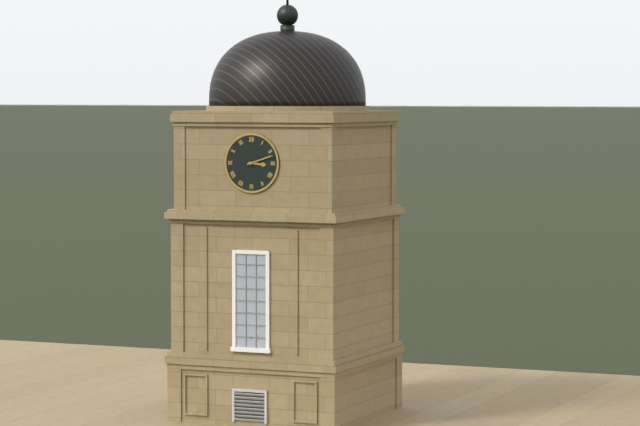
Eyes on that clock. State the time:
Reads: 3:12
